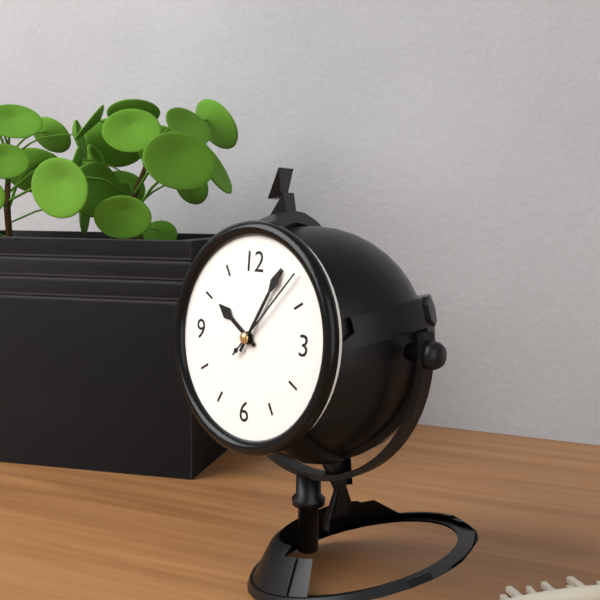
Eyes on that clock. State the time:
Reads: 10:05:07
